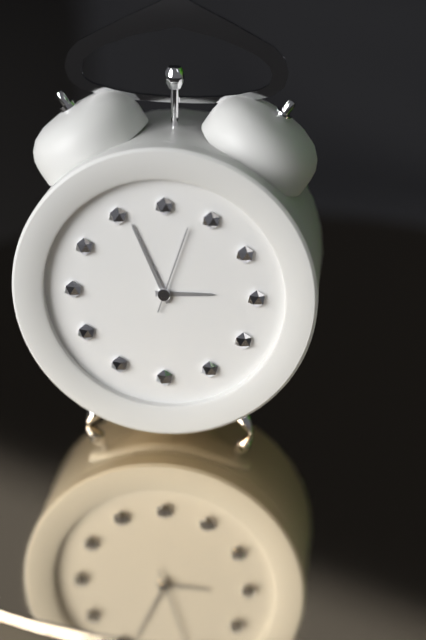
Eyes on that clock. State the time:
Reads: 2:56:03
